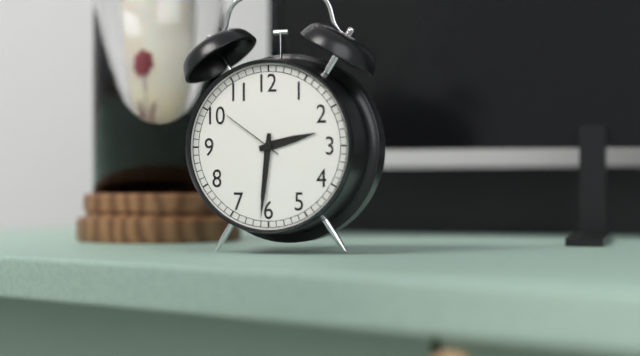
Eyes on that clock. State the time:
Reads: 2:31:51
